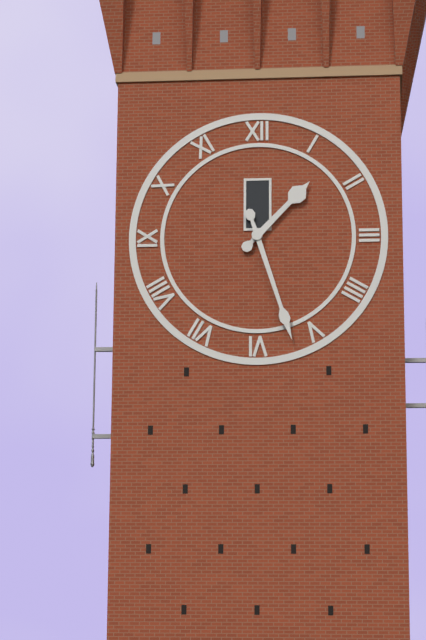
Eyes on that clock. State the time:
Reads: 1:27
